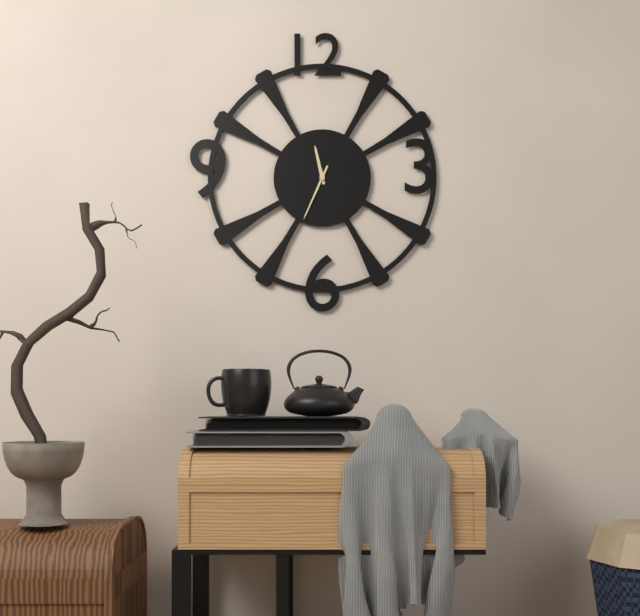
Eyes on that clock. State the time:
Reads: 11:34
